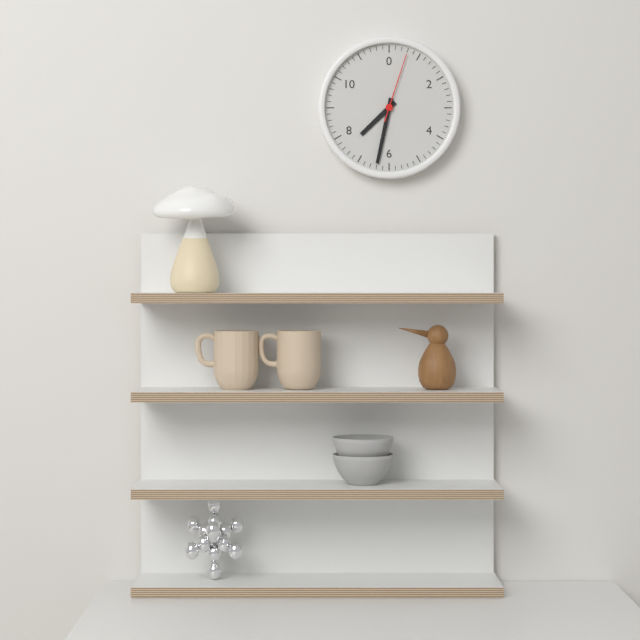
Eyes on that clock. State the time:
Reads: 7:32:03
